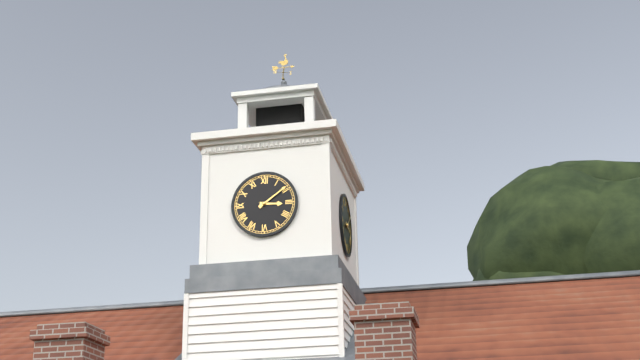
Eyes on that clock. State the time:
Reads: 3:09
